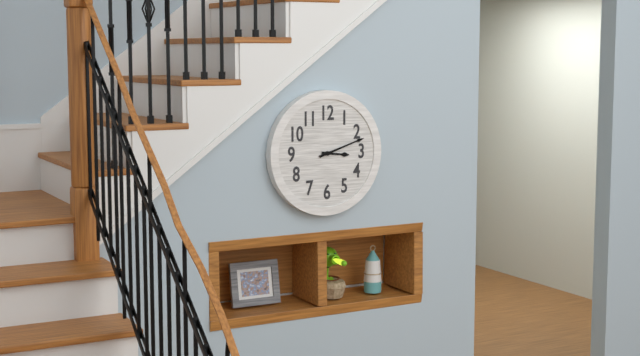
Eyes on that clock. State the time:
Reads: 3:12
